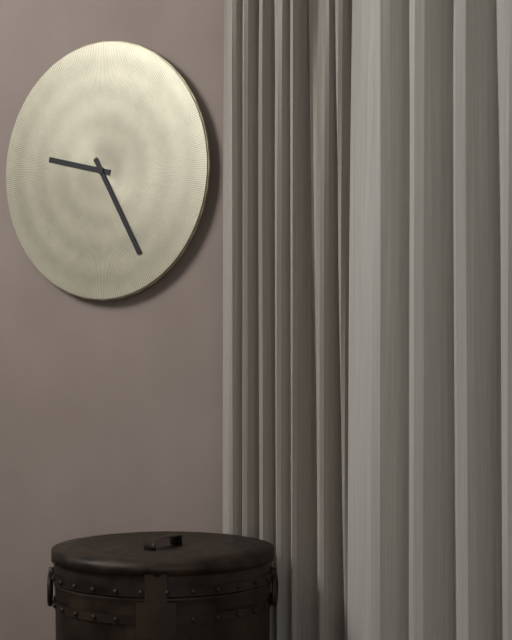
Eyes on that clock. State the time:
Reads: 9:25
